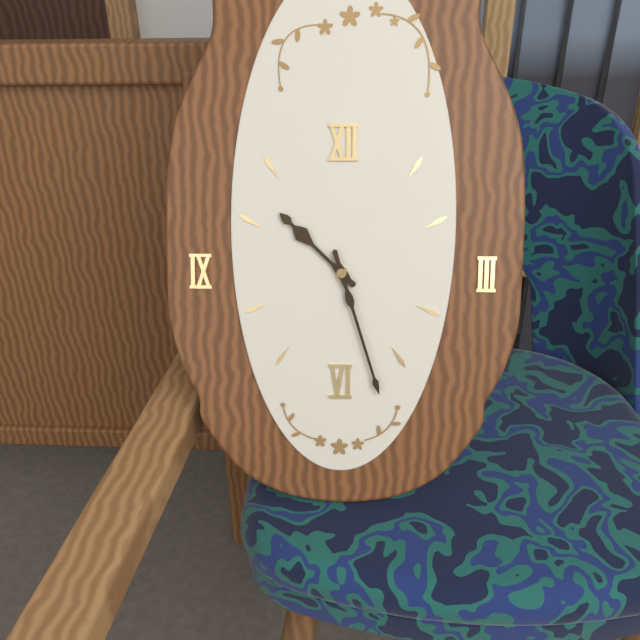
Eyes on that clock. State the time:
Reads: 10:27
